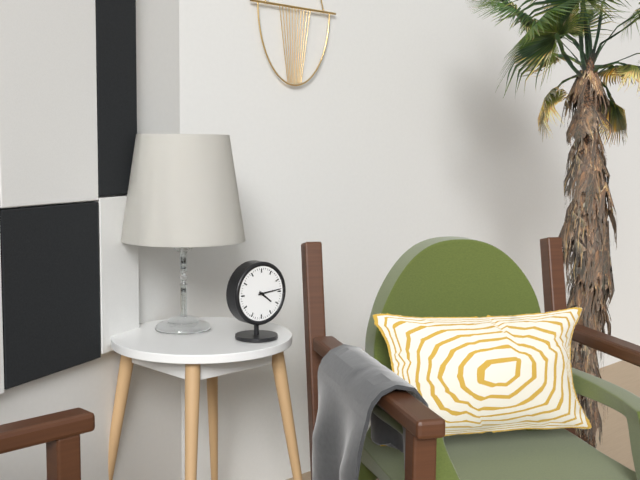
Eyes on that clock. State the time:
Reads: 4:14
